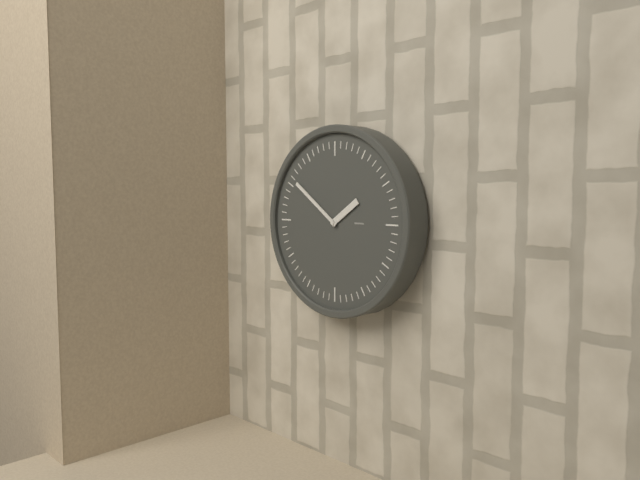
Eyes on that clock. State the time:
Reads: 1:51
